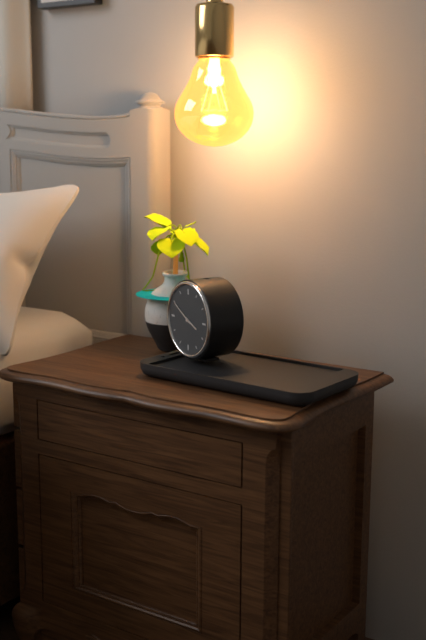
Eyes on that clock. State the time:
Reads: 3:50
